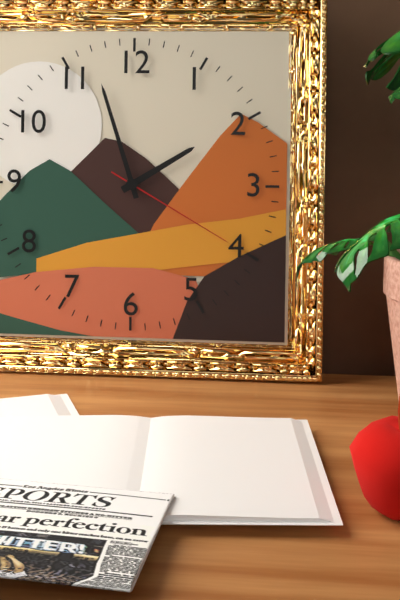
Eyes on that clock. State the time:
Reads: 1:57:20
